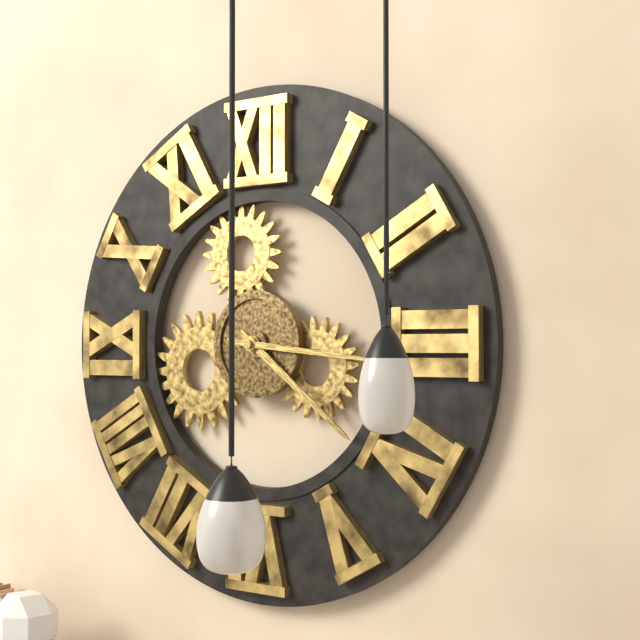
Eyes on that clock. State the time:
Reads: 4:16
